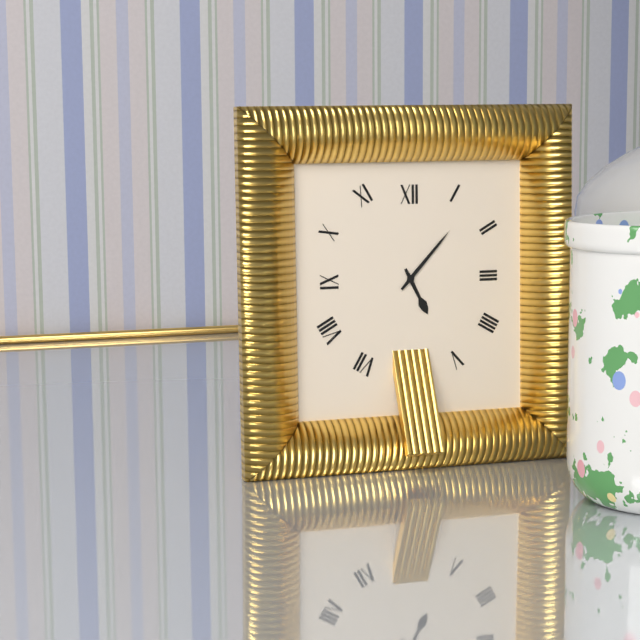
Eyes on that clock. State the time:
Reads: 5:07
